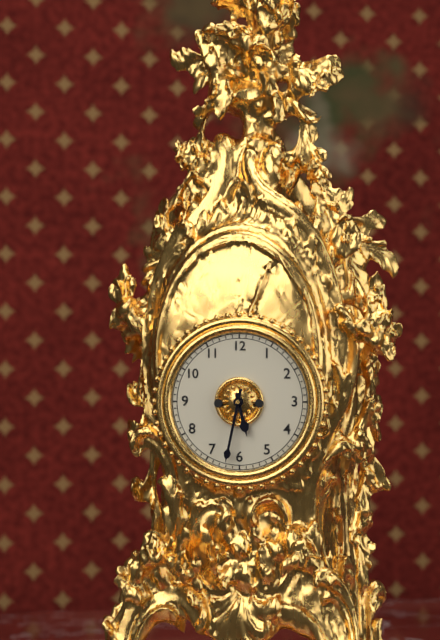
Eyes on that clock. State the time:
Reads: 5:32
